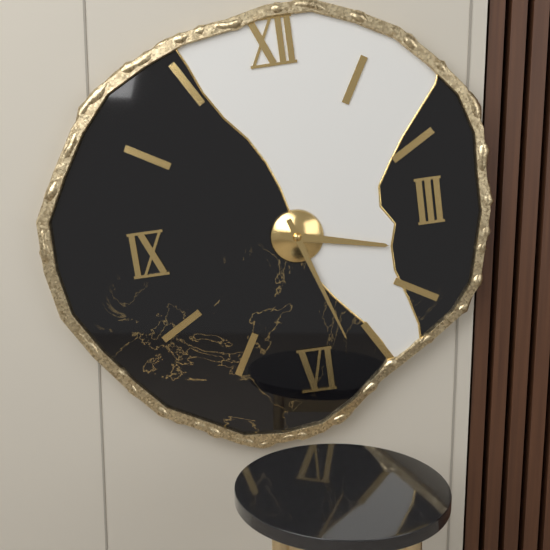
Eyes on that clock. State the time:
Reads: 3:27
